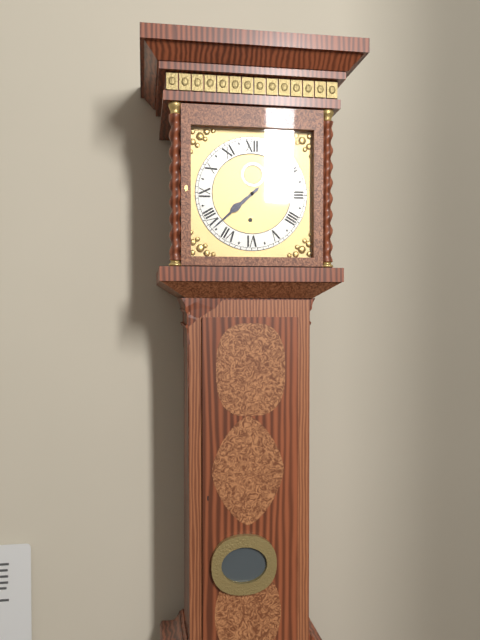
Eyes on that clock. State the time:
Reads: 7:38
